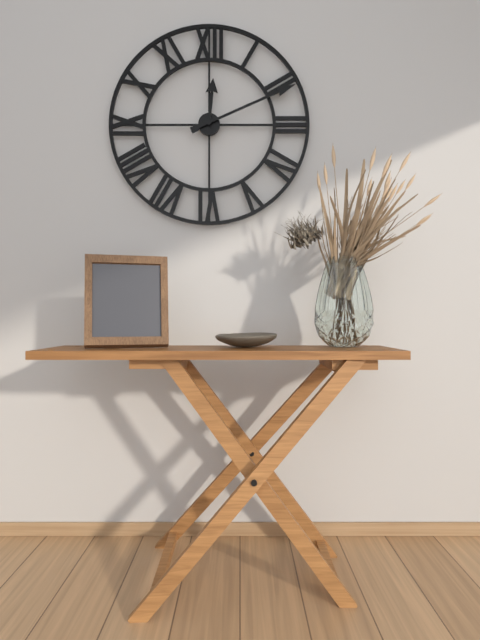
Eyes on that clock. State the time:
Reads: 12:11
